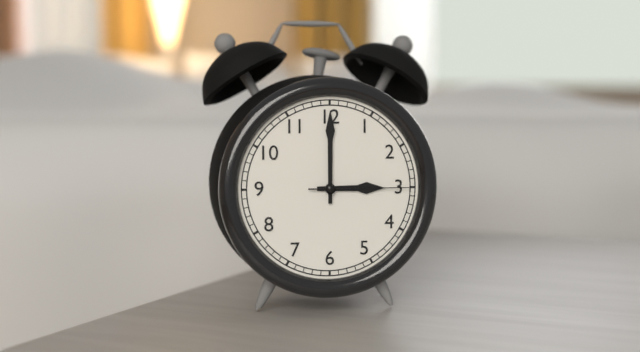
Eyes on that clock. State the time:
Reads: 3:00:15
